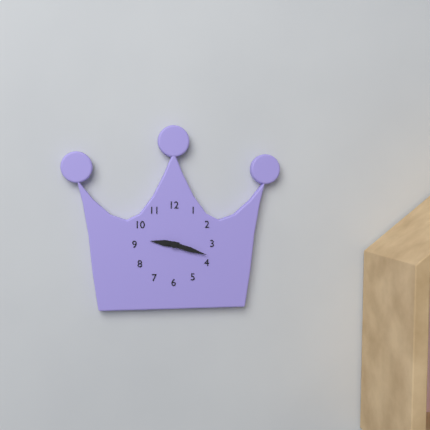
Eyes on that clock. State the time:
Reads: 9:18
